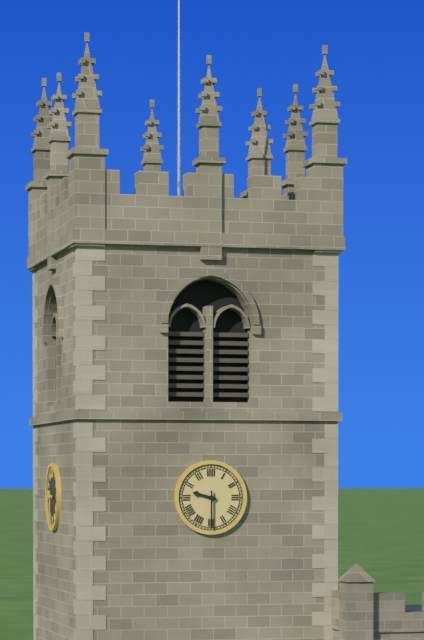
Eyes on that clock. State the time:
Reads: 9:30
